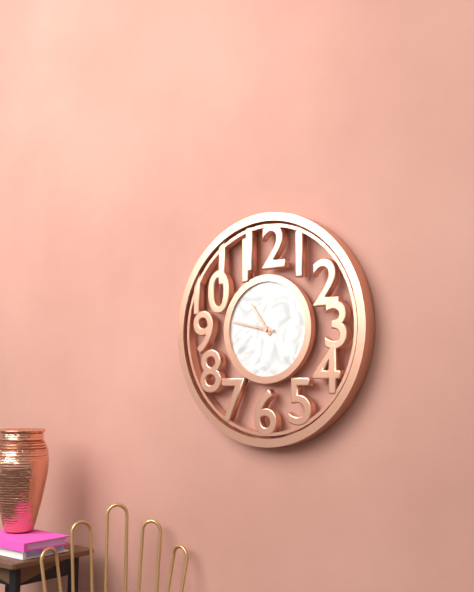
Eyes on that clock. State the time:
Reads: 10:47
